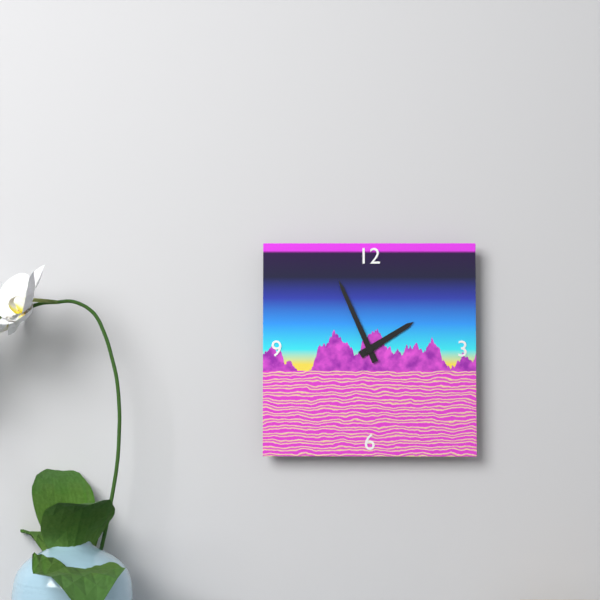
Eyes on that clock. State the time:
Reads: 1:56
